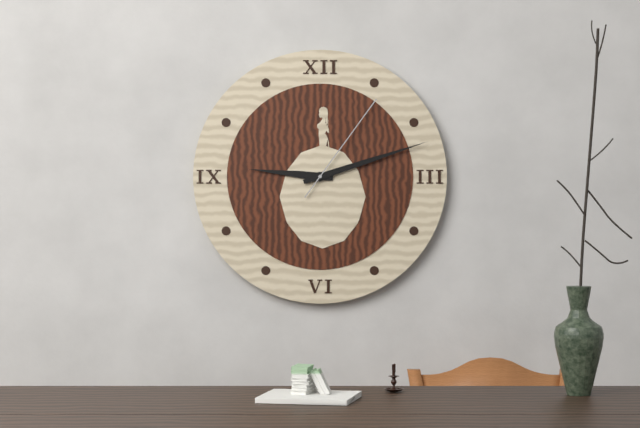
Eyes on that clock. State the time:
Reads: 9:12:06
